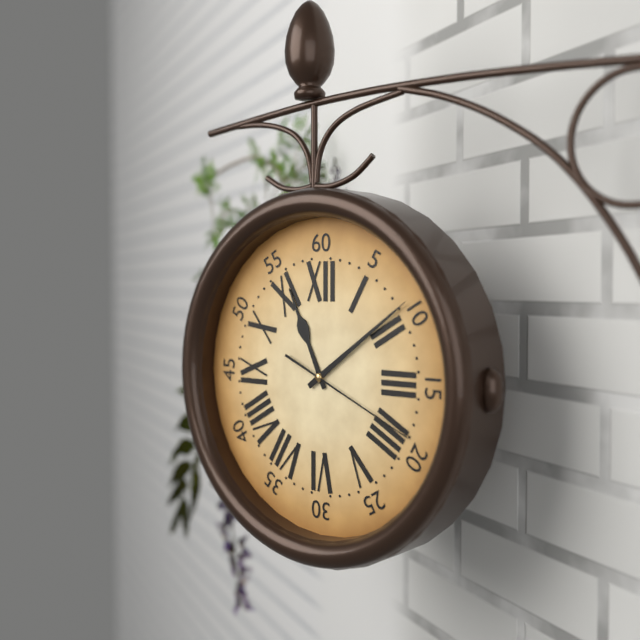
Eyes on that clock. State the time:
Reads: 11:09:19
